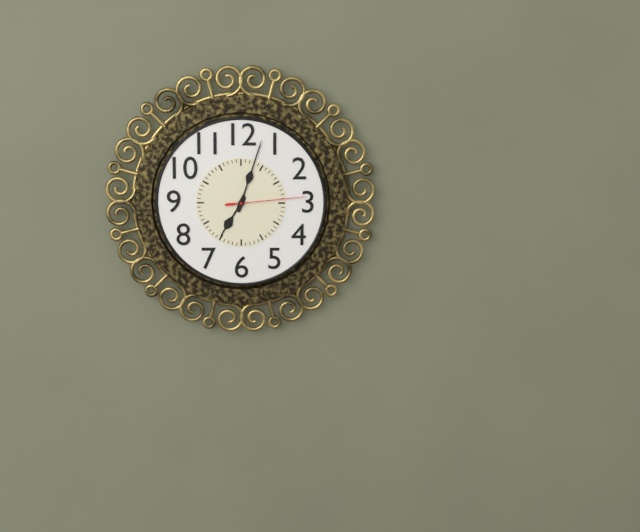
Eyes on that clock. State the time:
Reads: 7:03:14
